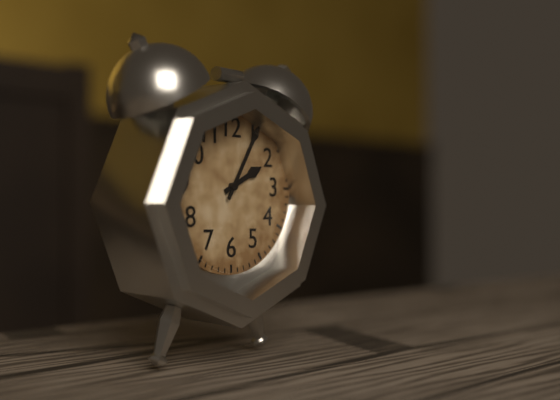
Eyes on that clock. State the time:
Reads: 2:05
